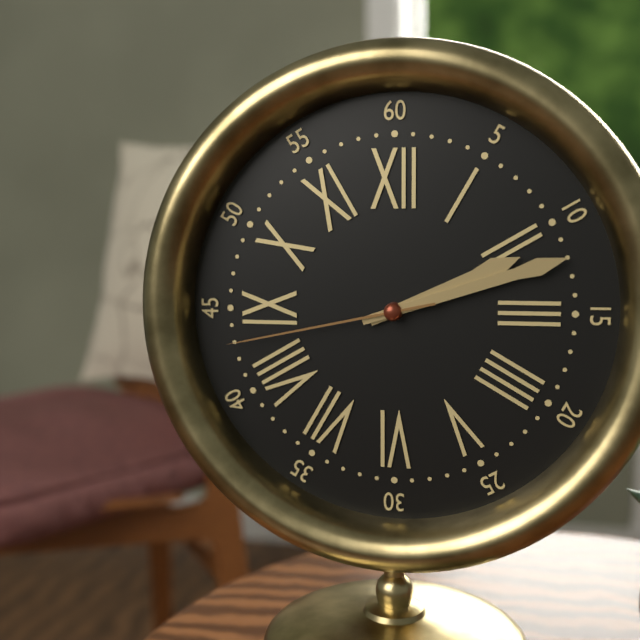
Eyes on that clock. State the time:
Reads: 2:12:43
